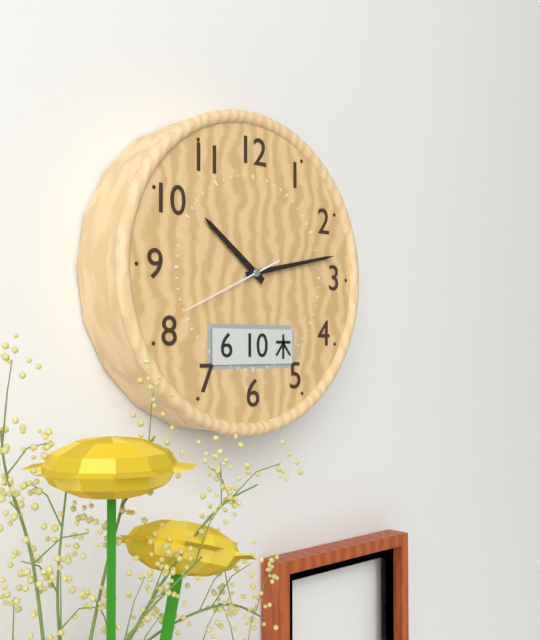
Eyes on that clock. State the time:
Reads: 10:13:41
